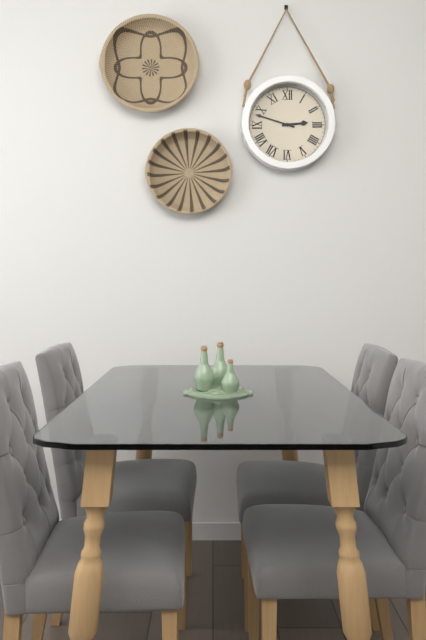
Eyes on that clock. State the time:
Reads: 2:48
